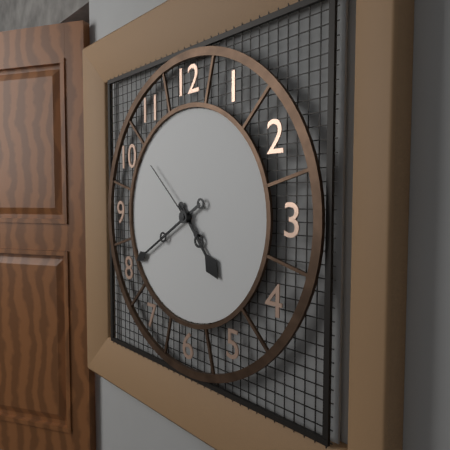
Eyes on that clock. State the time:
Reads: 4:40:52
